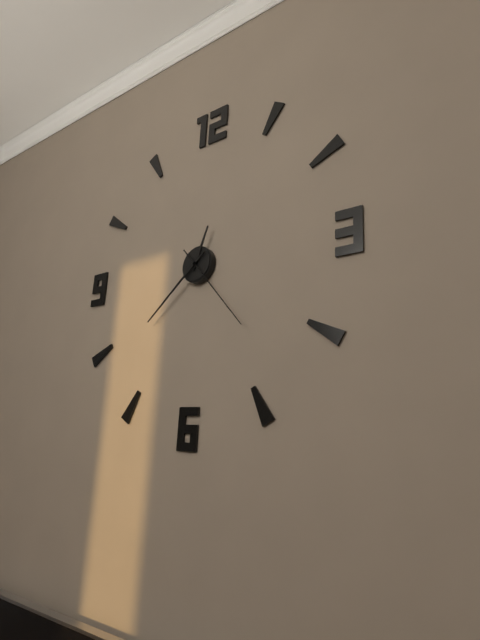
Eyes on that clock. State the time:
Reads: 12:38:23
